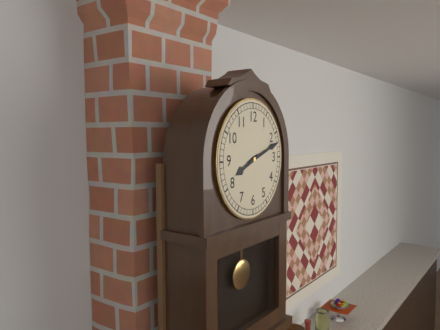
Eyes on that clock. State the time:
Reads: 8:12
